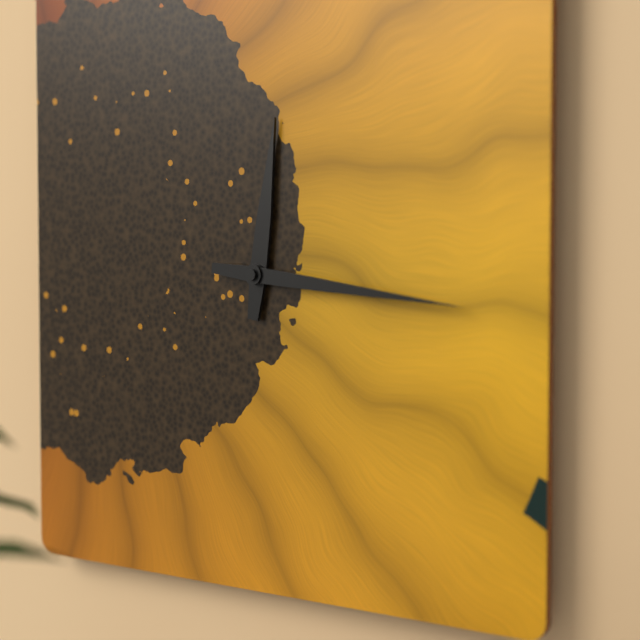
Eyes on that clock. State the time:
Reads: 12:16
